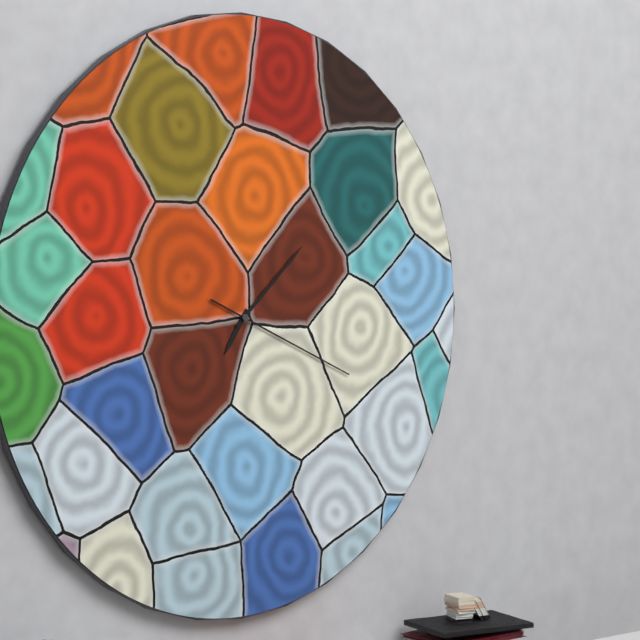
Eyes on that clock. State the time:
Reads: 7:08:19
